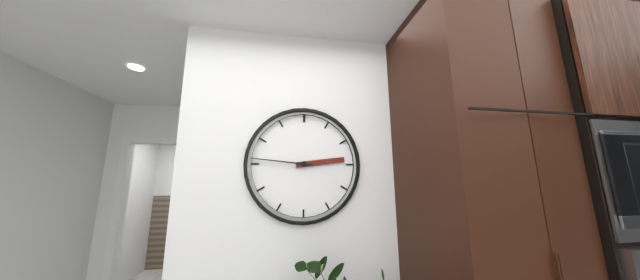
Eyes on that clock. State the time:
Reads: 2:46
